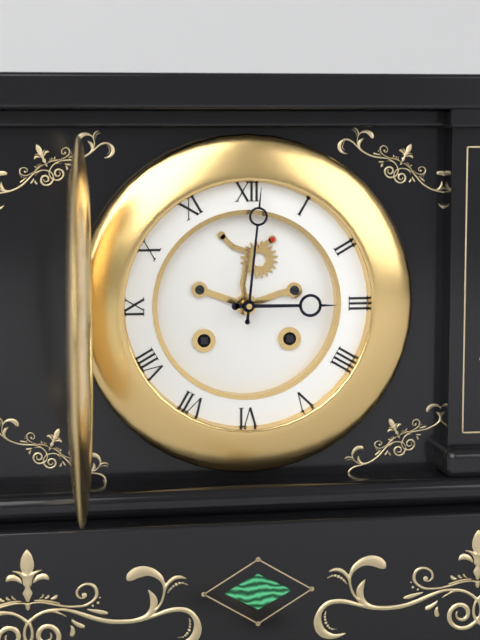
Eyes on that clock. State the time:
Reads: 3:01
